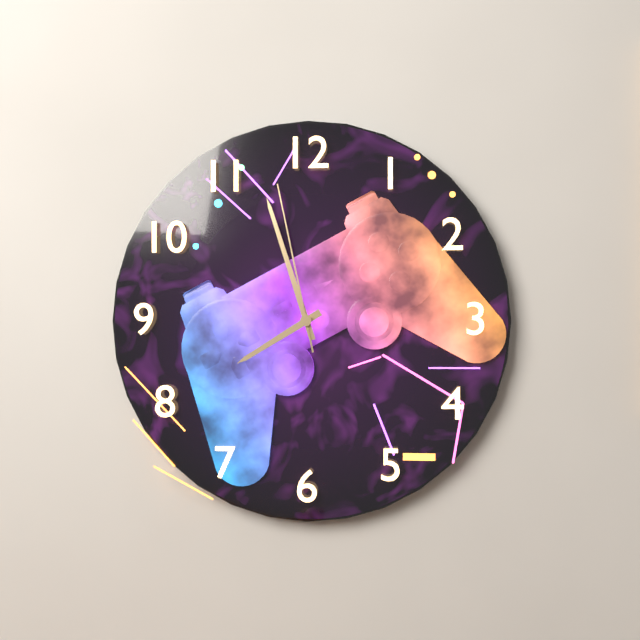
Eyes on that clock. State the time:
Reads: 7:57:58
